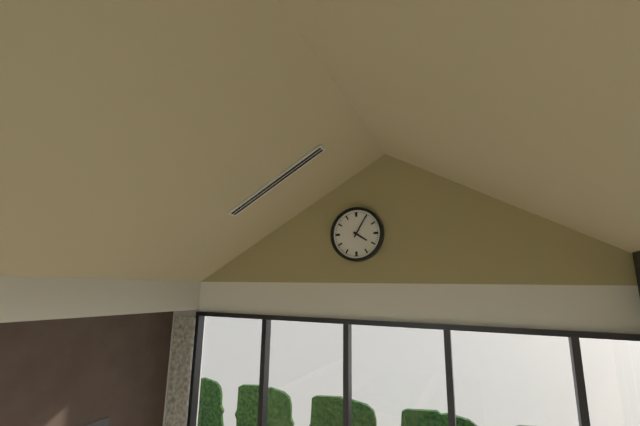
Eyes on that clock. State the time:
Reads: 4:05
